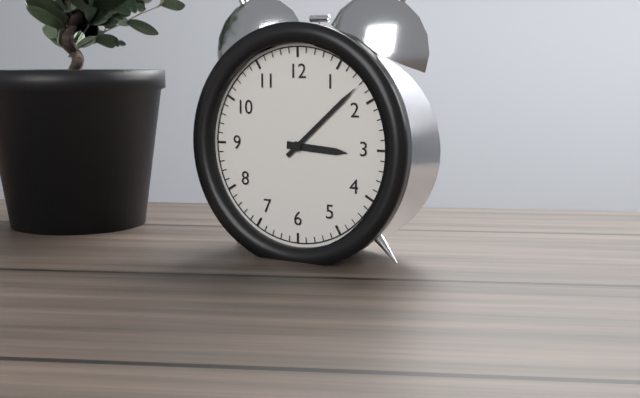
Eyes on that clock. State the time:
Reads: 3:08
